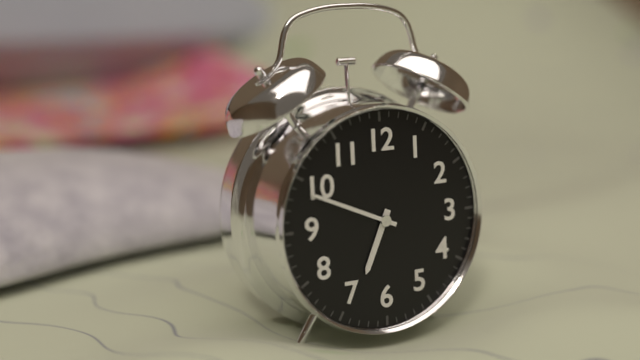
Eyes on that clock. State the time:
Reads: 6:49
